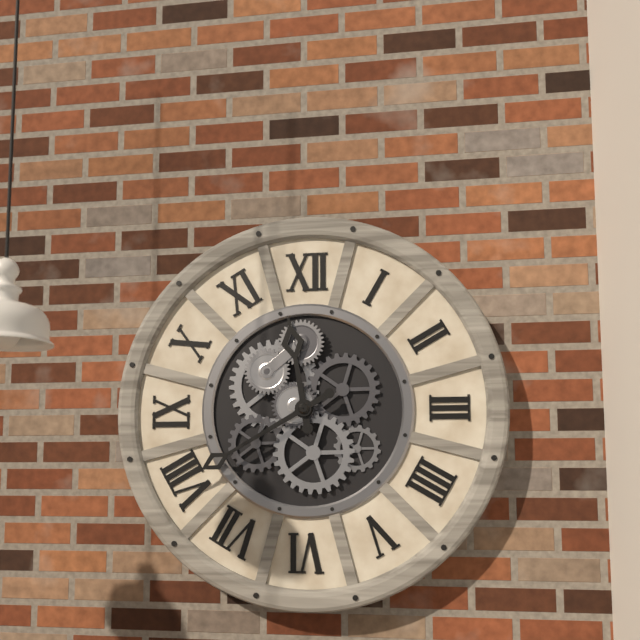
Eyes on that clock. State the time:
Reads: 11:40
